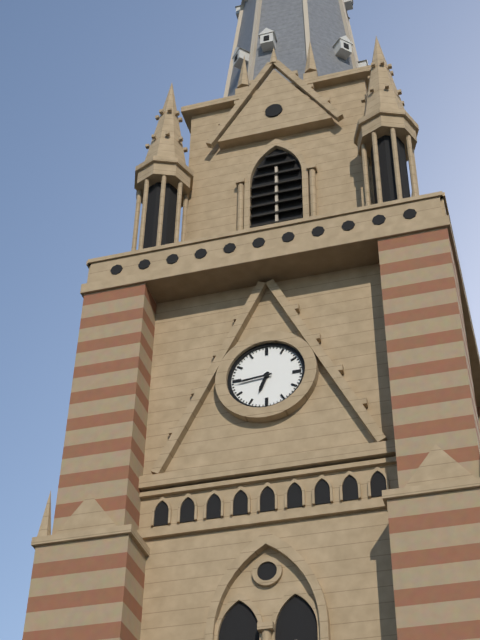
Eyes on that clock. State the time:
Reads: 6:44
